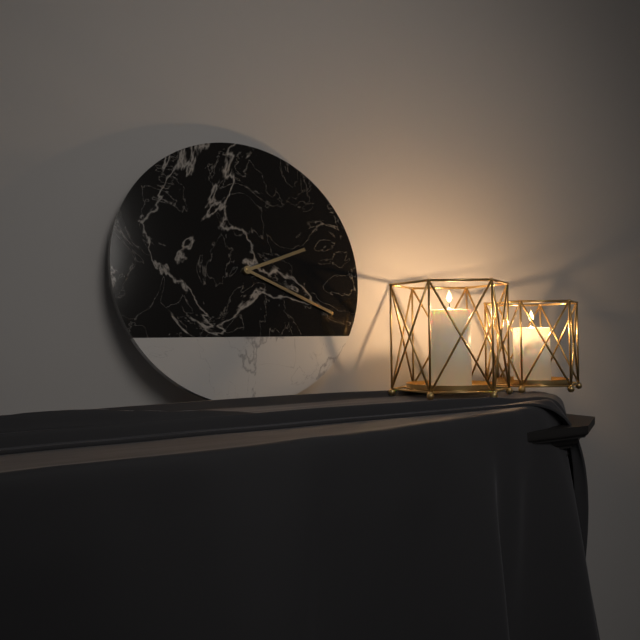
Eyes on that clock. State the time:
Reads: 2:19
